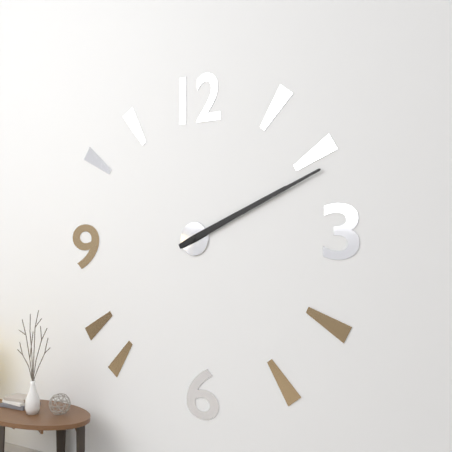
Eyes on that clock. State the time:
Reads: 2:11
